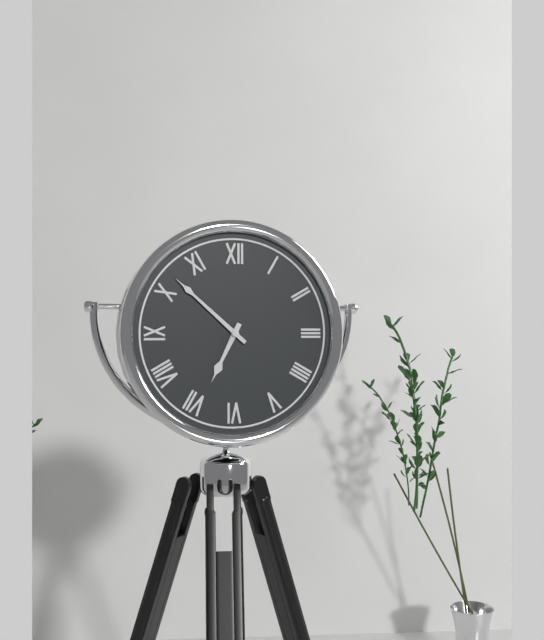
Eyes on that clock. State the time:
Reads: 6:52
